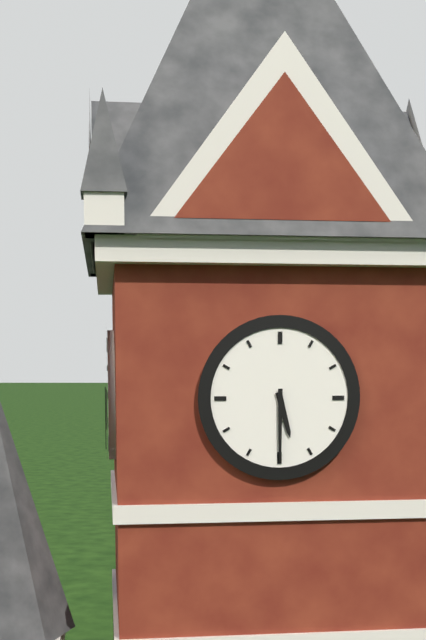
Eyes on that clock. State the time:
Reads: 5:30
